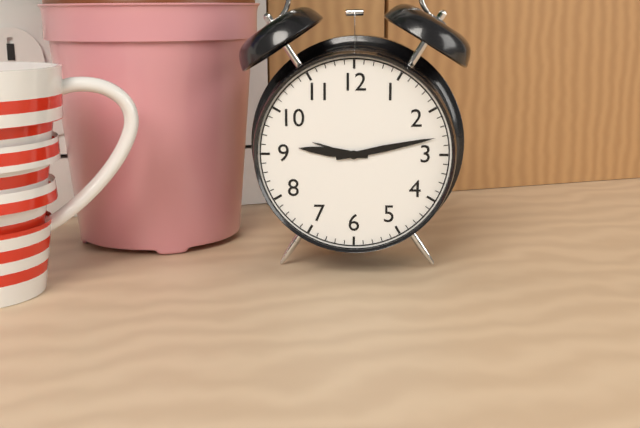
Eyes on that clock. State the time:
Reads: 9:13
